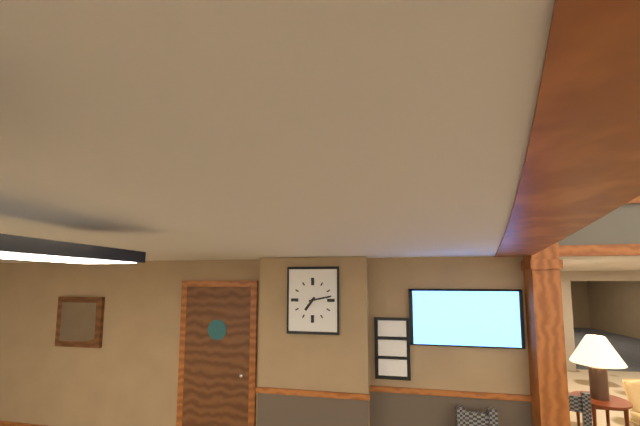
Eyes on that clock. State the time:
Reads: 7:13
